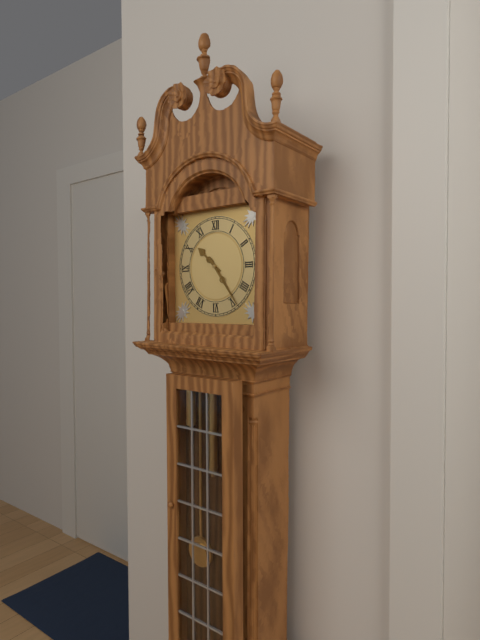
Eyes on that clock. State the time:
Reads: 10:24
